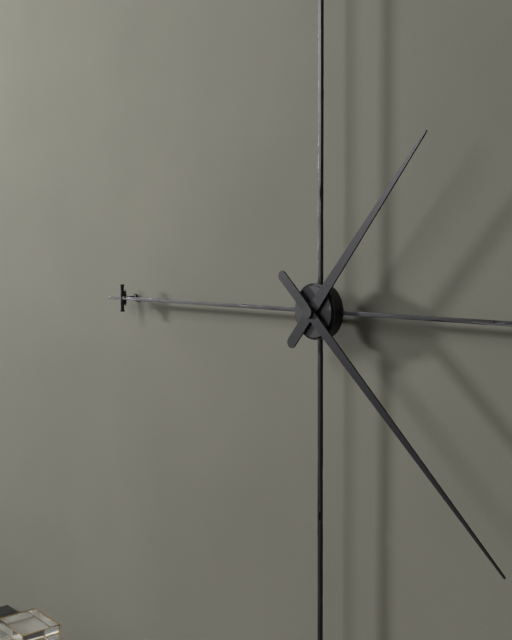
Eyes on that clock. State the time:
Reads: 1:22
